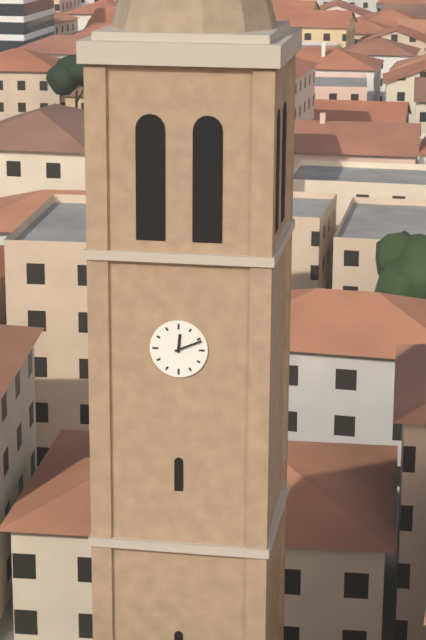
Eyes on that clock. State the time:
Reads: 12:11
